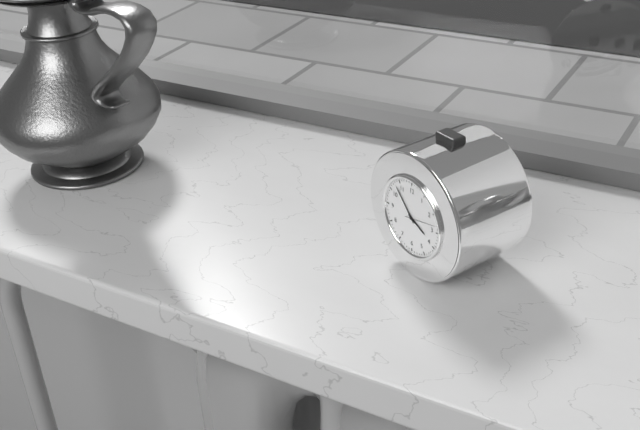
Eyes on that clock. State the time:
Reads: 3:53
